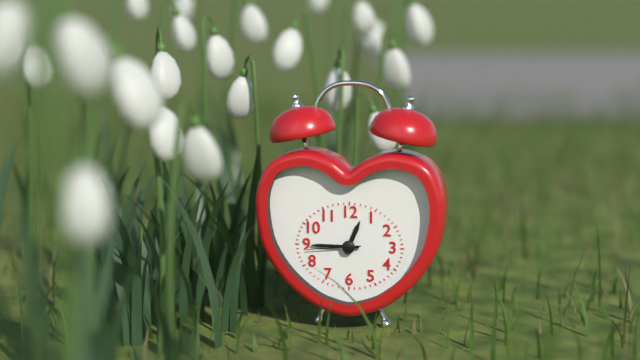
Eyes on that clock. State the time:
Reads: 12:45:44
